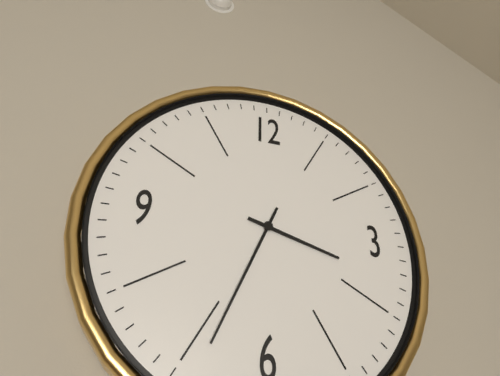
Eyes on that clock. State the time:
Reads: 3:34
